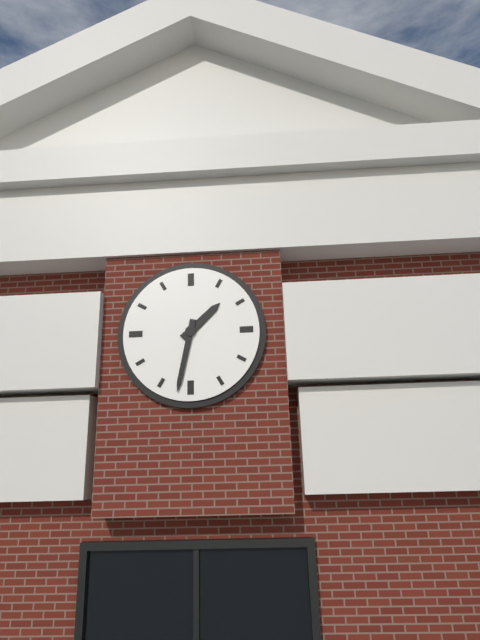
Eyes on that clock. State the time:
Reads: 1:32
